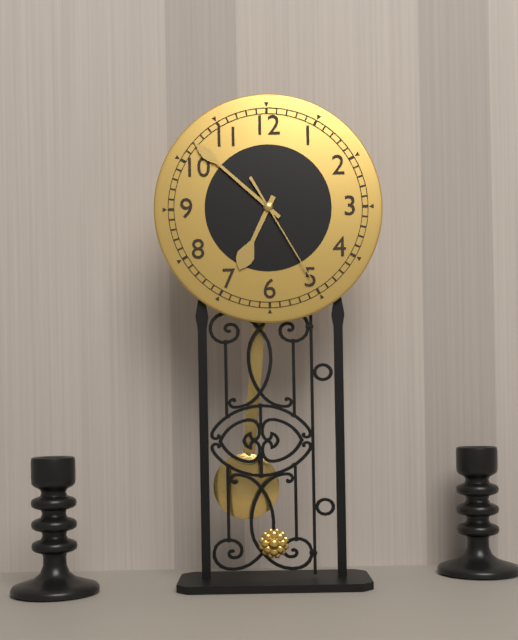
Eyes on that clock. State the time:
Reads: 6:52:25
